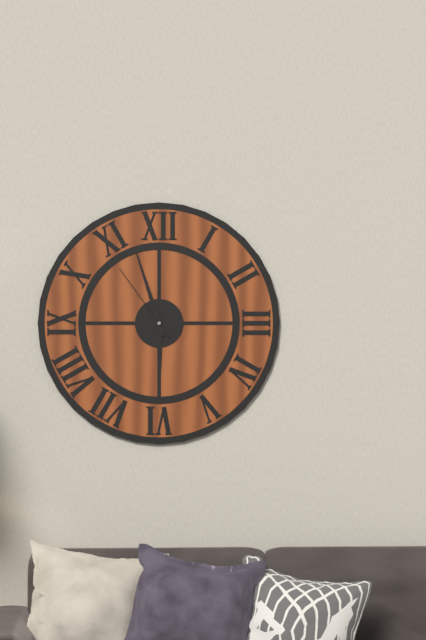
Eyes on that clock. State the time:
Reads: 5:57:54
